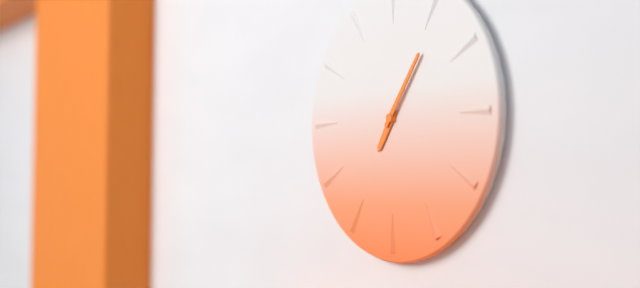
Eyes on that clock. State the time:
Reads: 7:06
